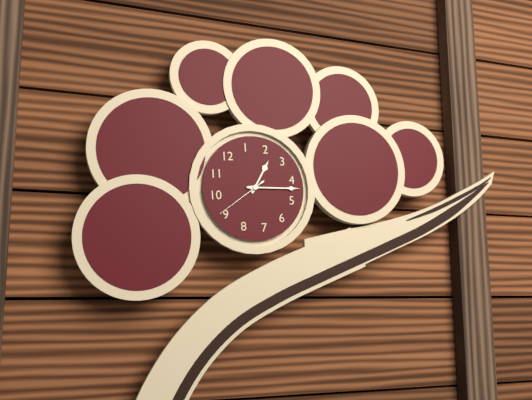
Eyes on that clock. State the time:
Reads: 2:22:46
